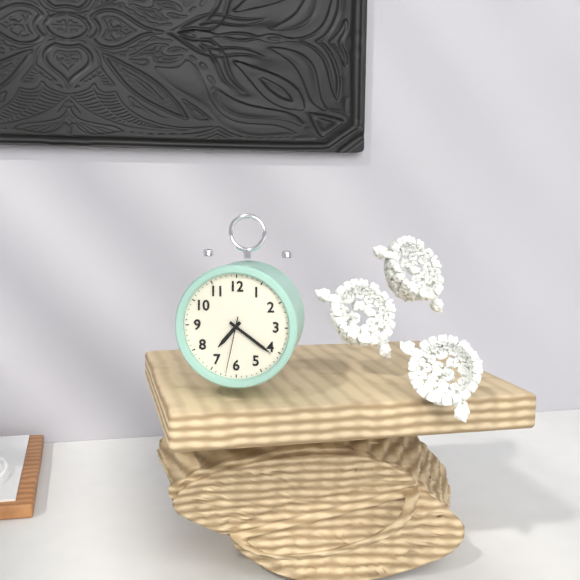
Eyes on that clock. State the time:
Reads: 7:21:32
